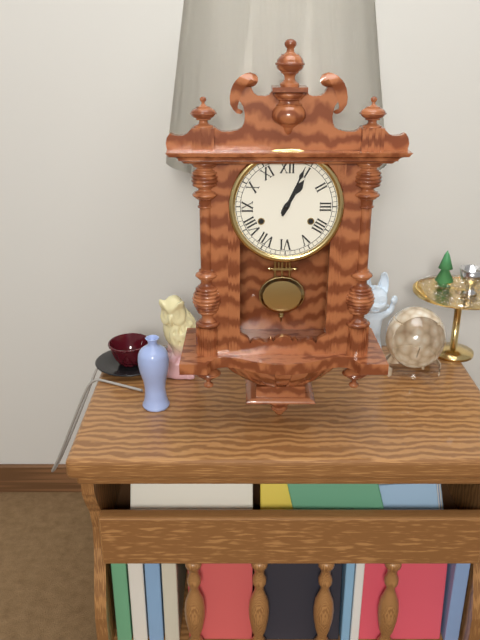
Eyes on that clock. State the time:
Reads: 1:04
